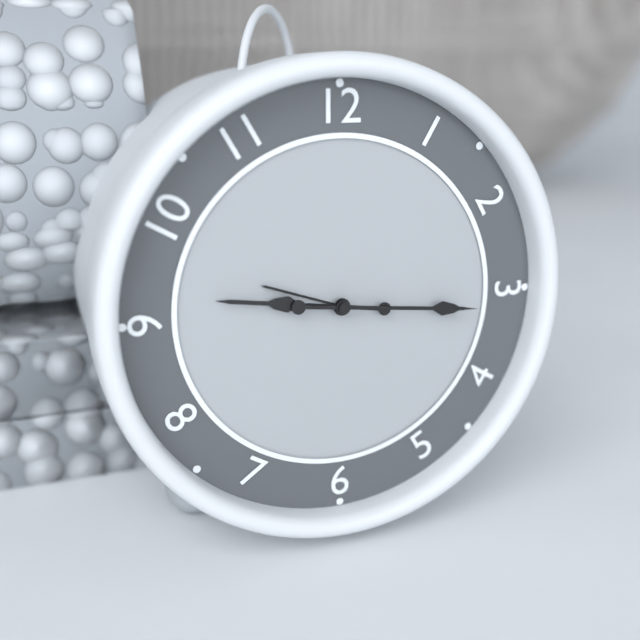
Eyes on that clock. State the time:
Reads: 9:16
